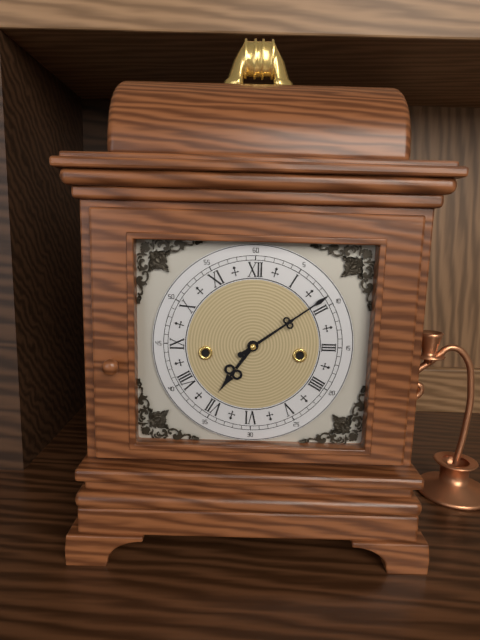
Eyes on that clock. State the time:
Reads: 7:09
